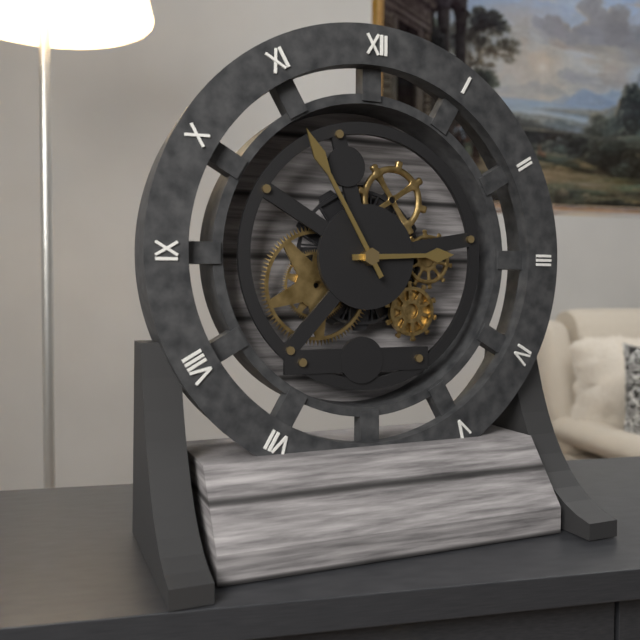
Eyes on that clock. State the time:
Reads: 2:55
